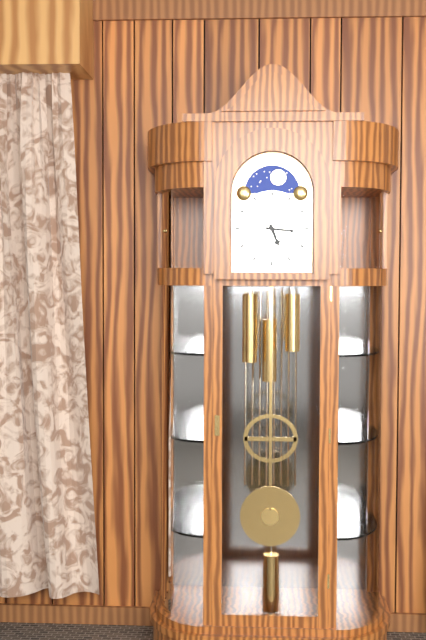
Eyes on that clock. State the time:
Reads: 5:16
